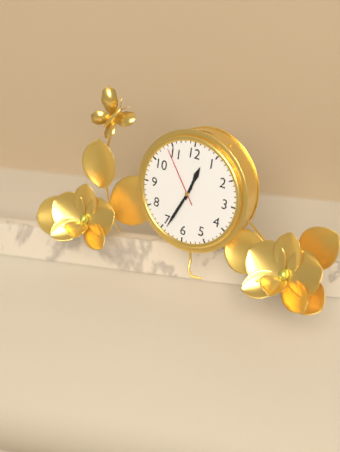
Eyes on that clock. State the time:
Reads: 12:34:54
